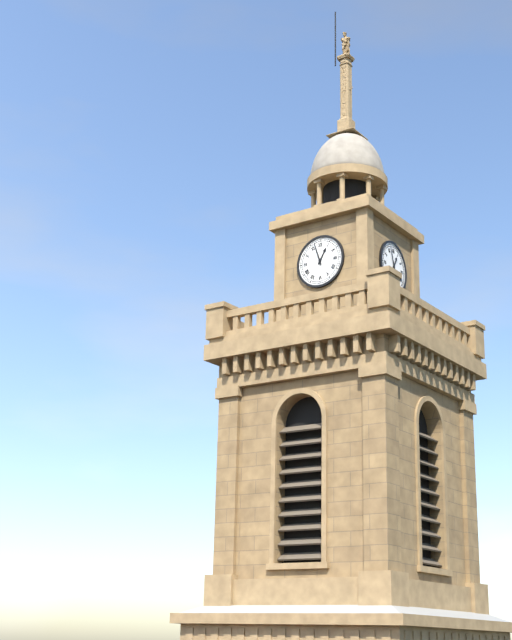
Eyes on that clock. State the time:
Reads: 12:57
